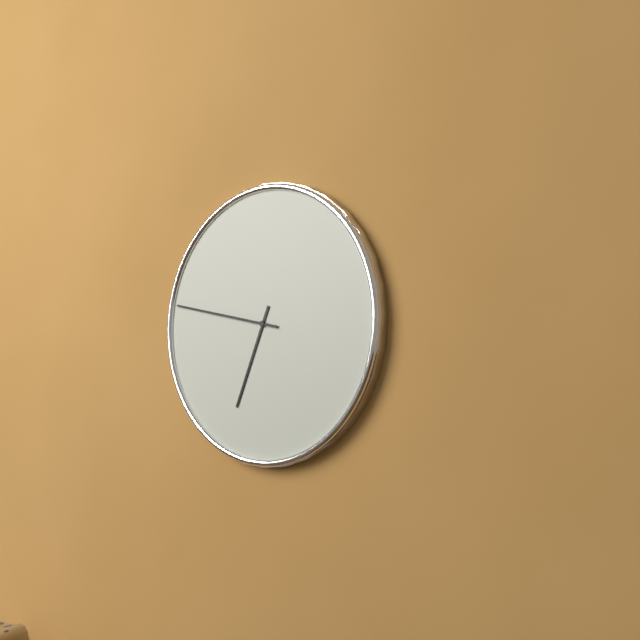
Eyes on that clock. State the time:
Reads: 6:47
